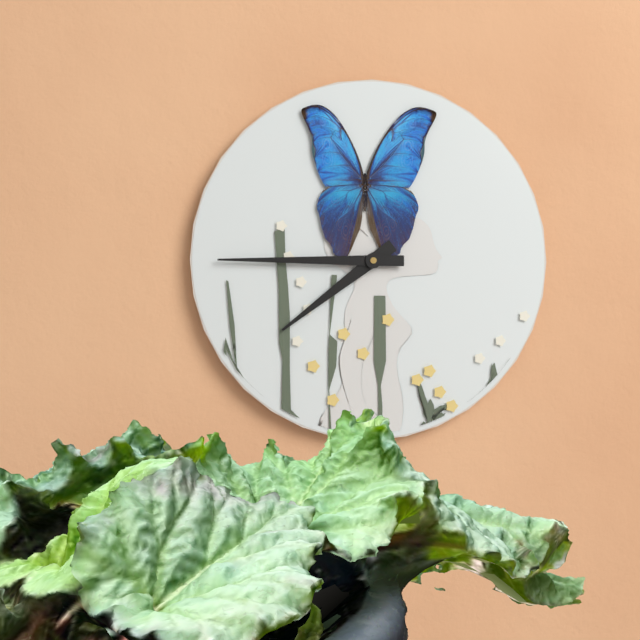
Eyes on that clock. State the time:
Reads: 7:45
